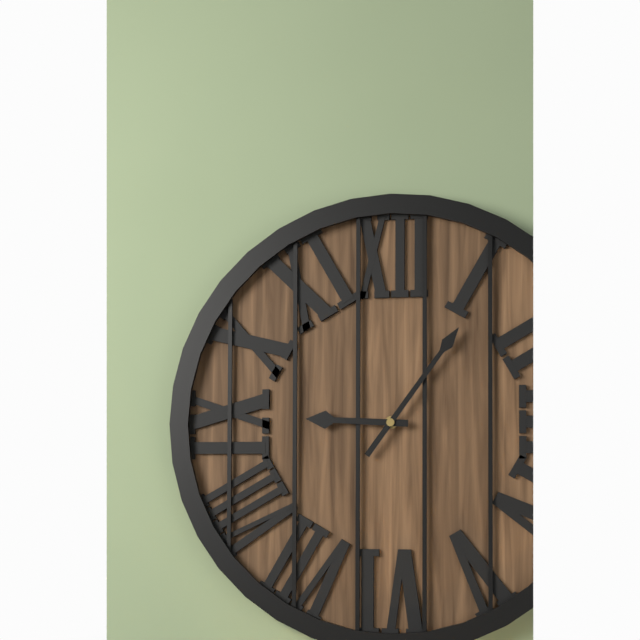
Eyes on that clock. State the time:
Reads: 9:06
